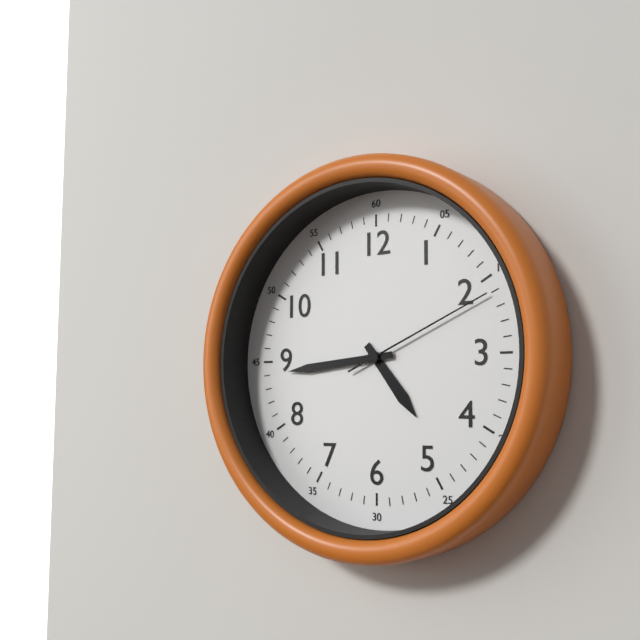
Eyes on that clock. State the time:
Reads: 4:44:11
